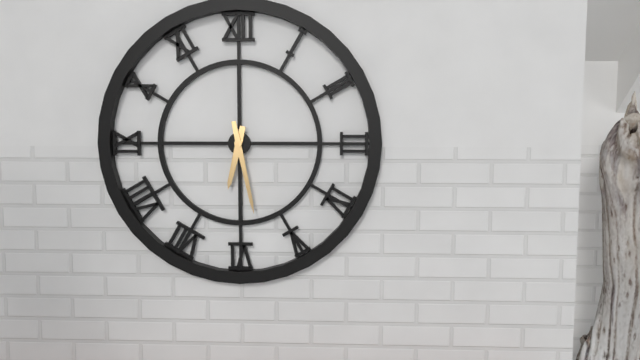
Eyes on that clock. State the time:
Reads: 6:28
